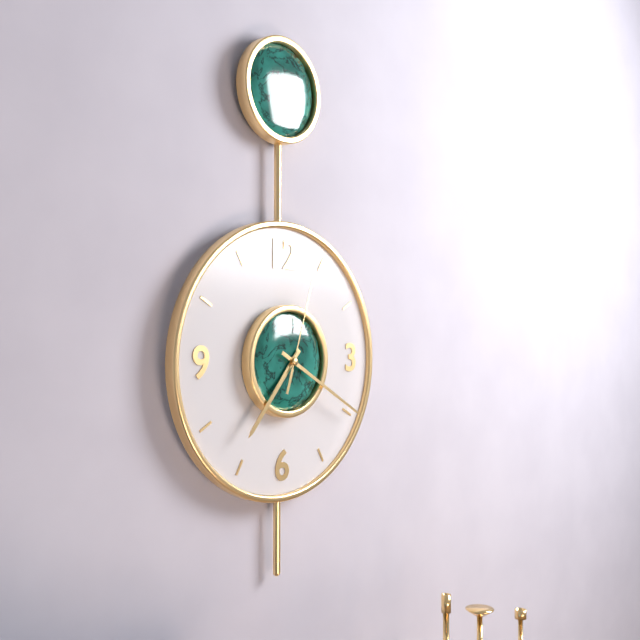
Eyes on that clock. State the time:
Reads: 7:20:03
